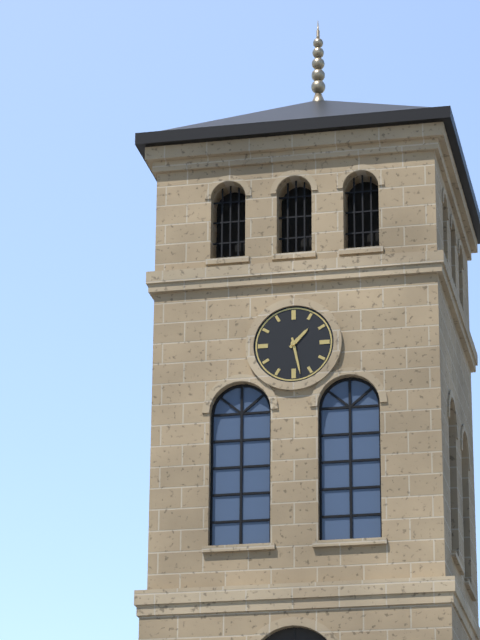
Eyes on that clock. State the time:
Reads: 1:28
